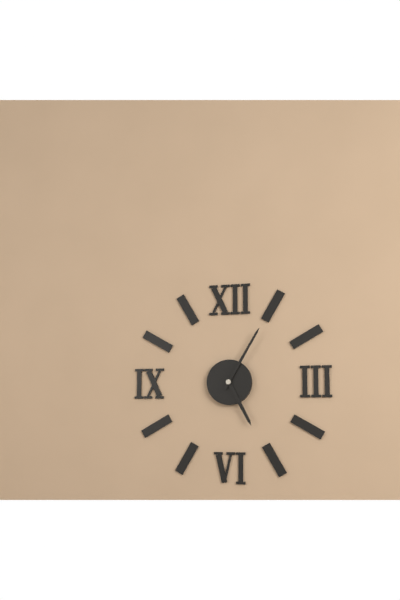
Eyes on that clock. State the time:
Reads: 5:05
